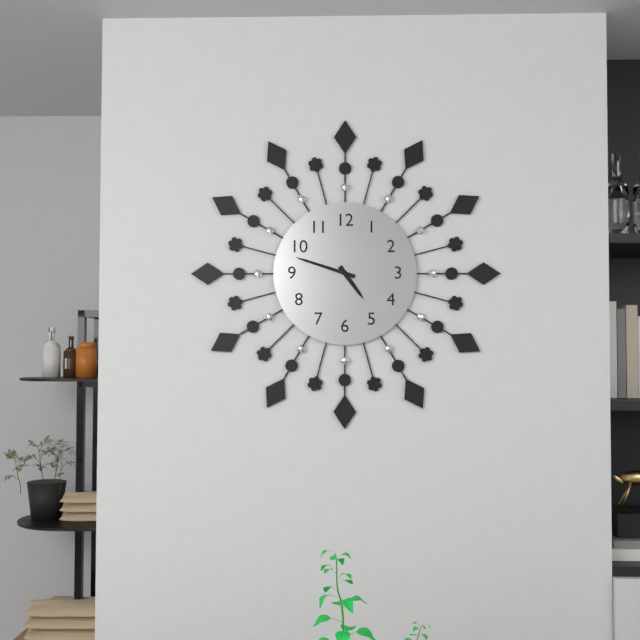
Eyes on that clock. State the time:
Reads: 4:48
